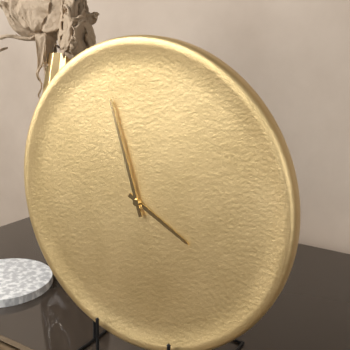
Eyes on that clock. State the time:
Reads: 3:57
